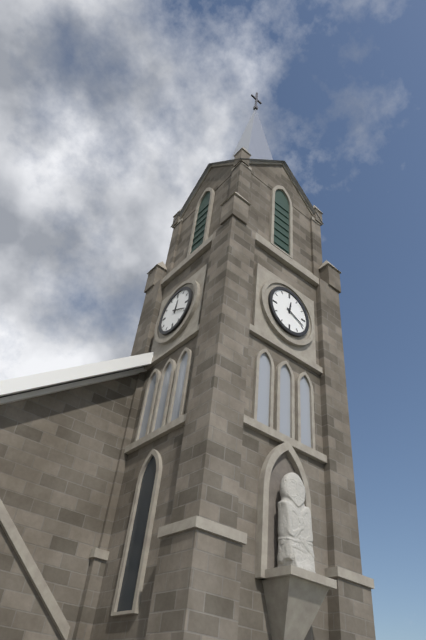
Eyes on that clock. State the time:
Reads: 12:19
